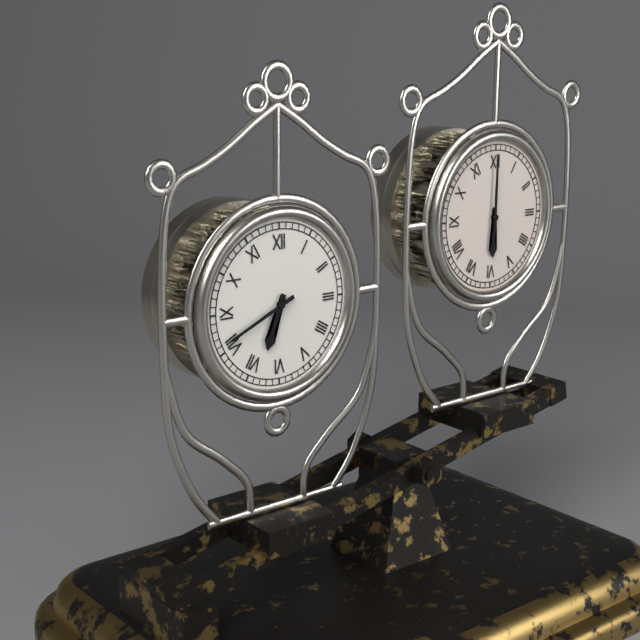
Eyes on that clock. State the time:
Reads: 6:41
